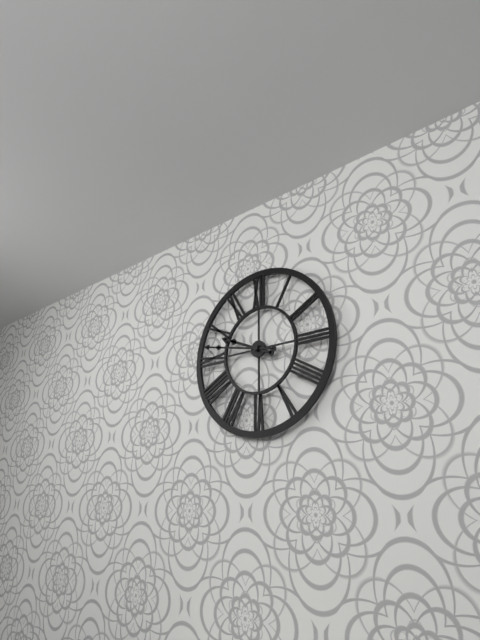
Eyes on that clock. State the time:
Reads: 9:47
